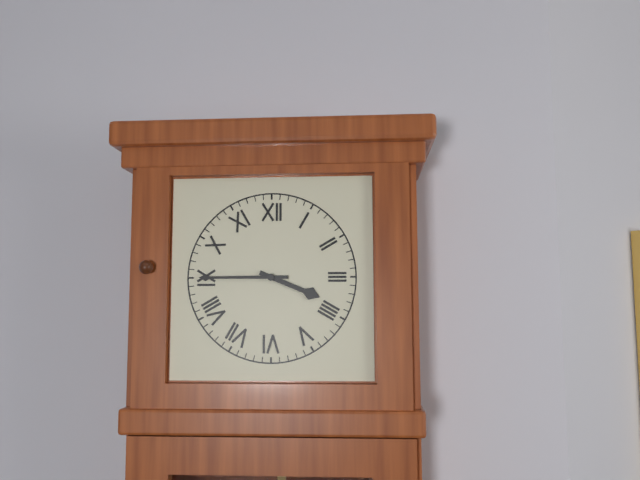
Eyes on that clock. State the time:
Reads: 3:45
